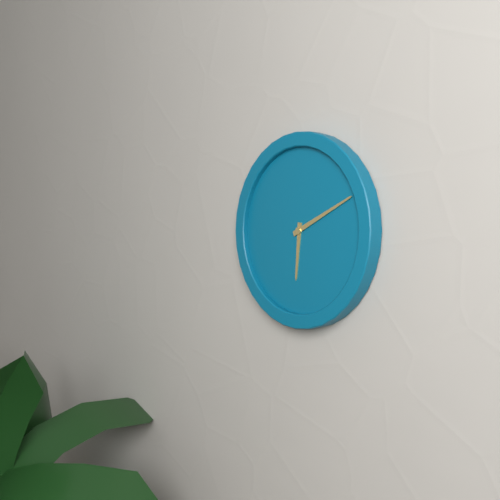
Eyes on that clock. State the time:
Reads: 6:11
